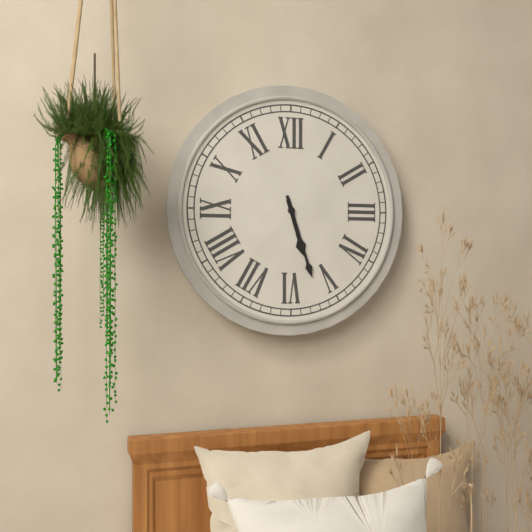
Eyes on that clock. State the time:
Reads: 5:27
